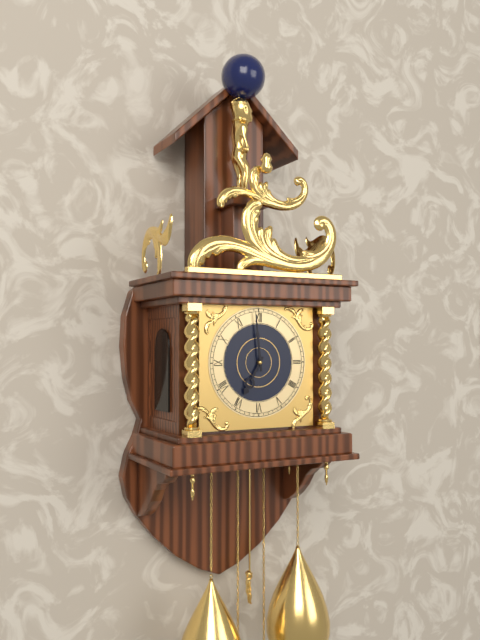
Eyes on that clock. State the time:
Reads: 6:59
